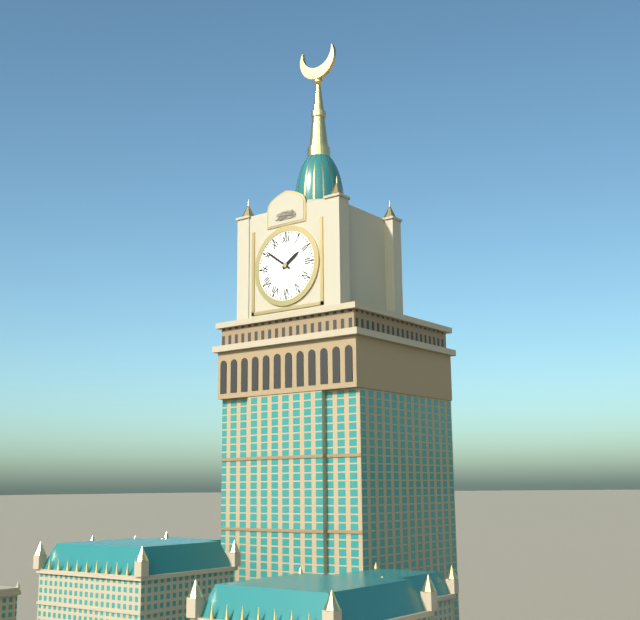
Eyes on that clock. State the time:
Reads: 1:51
